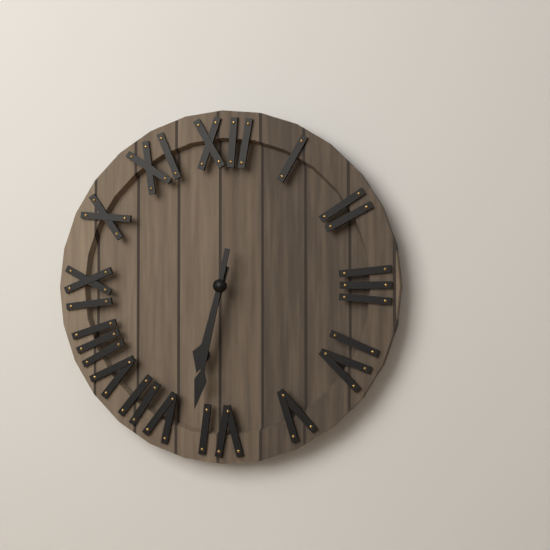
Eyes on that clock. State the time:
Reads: 6:32
